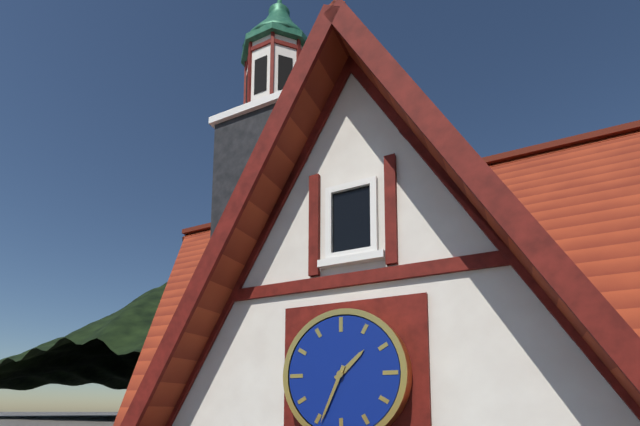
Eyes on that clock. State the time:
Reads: 1:34
